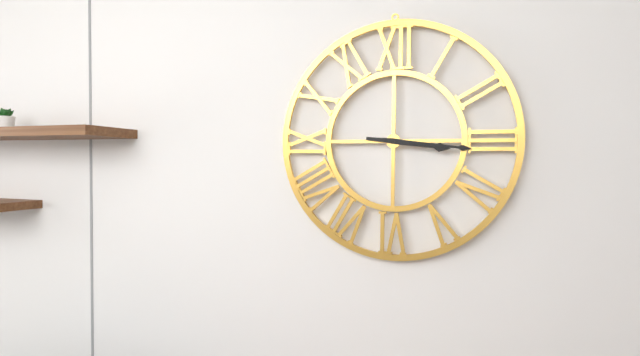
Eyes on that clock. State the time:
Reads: 3:16
